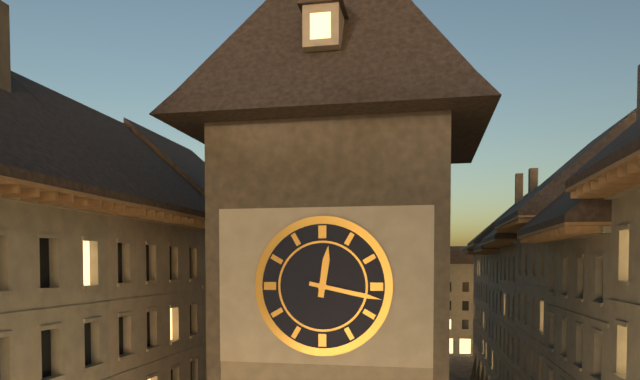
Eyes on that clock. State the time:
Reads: 12:17
